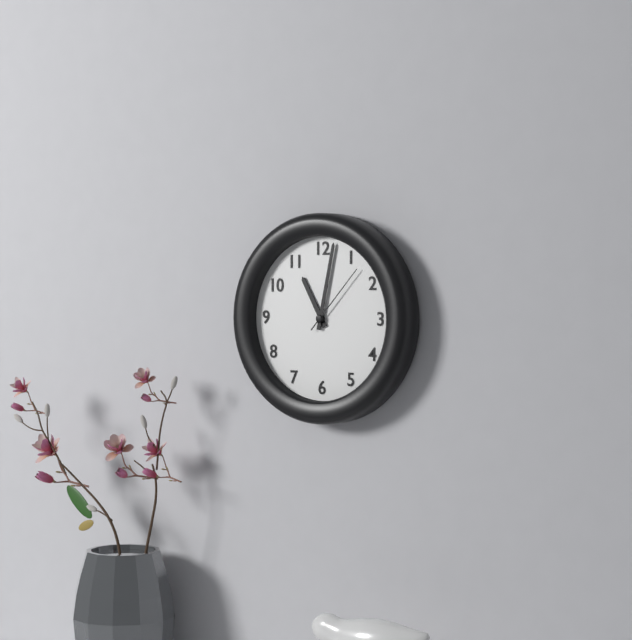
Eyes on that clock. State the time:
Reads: 11:02:07
